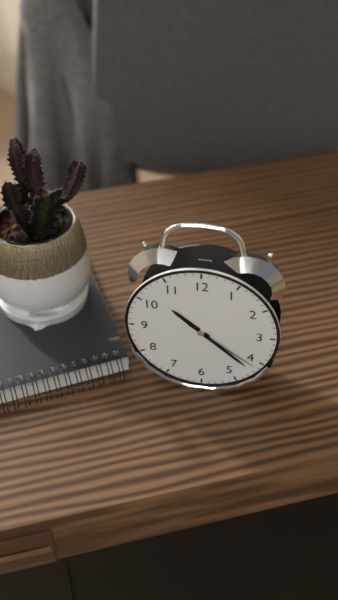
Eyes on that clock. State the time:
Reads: 10:22:21
